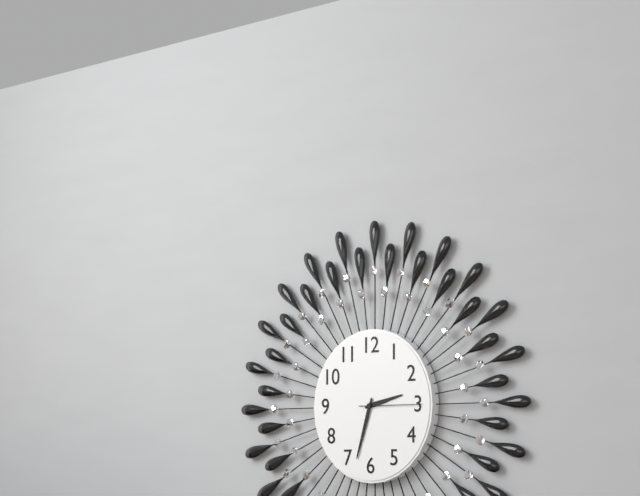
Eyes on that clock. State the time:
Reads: 2:33:15
